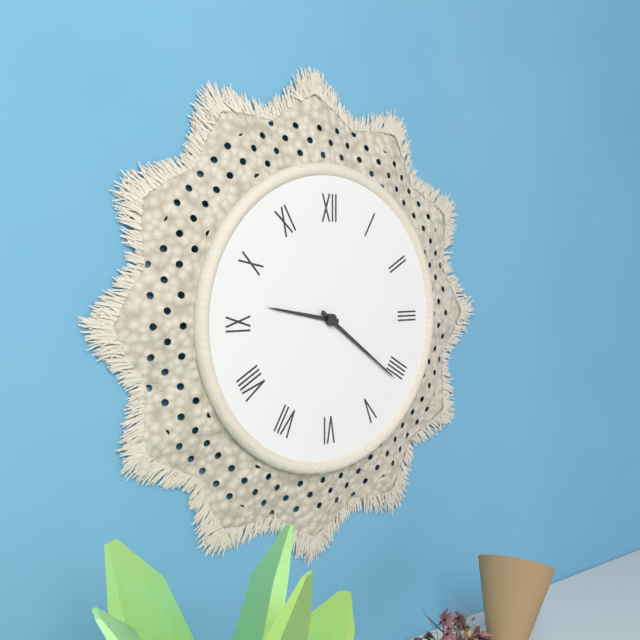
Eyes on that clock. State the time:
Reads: 9:21
